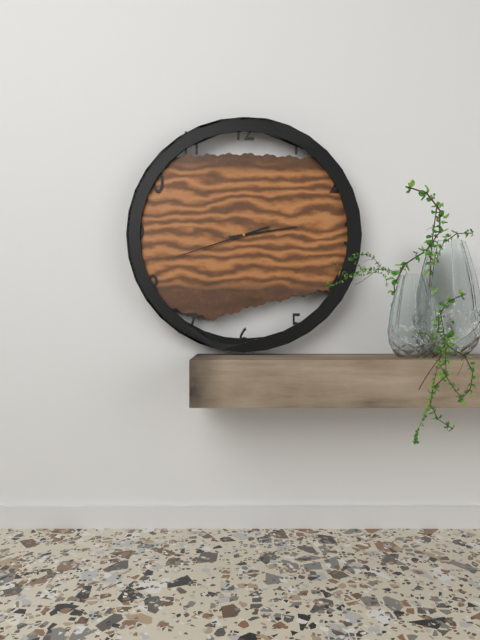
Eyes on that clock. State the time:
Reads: 2:42
